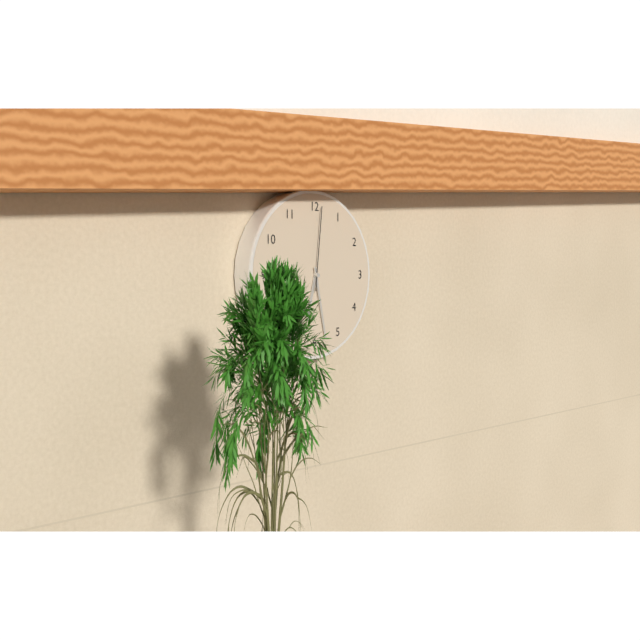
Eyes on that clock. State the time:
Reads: 6:28:01
